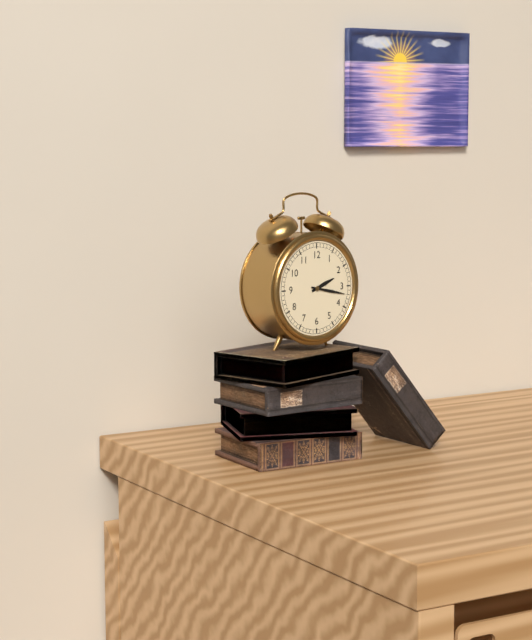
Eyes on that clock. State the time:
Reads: 2:17
